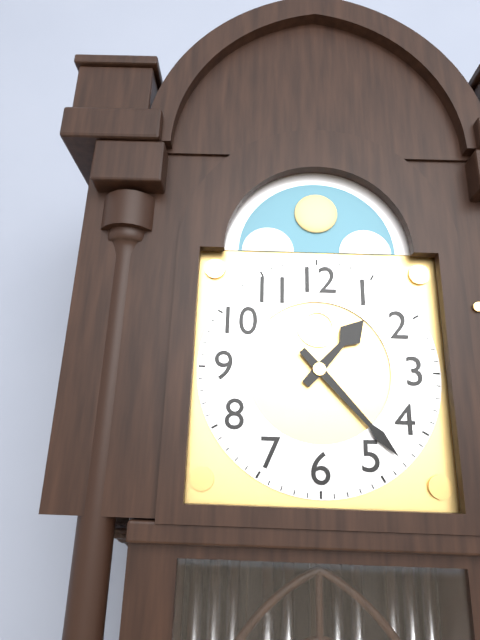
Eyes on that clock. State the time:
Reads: 1:23
